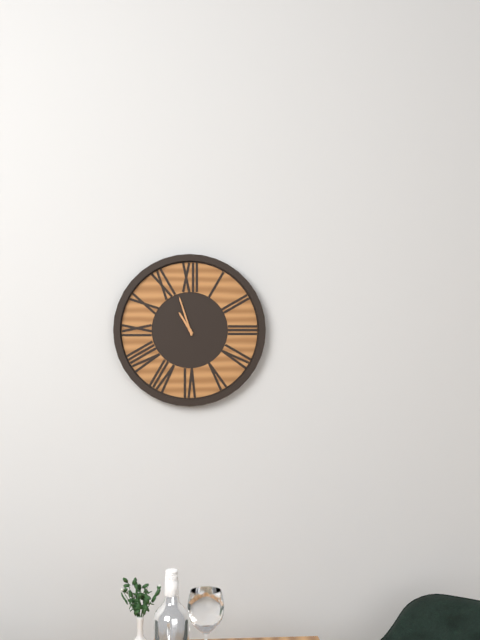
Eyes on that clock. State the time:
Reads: 10:57
